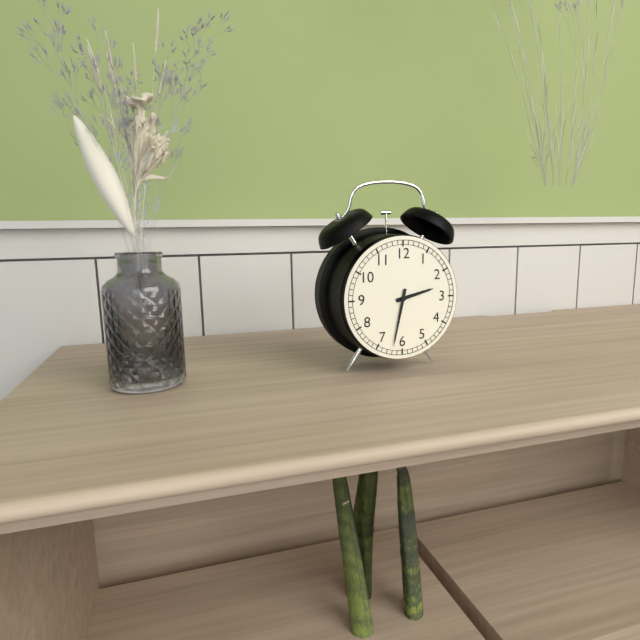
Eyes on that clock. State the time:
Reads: 2:32
